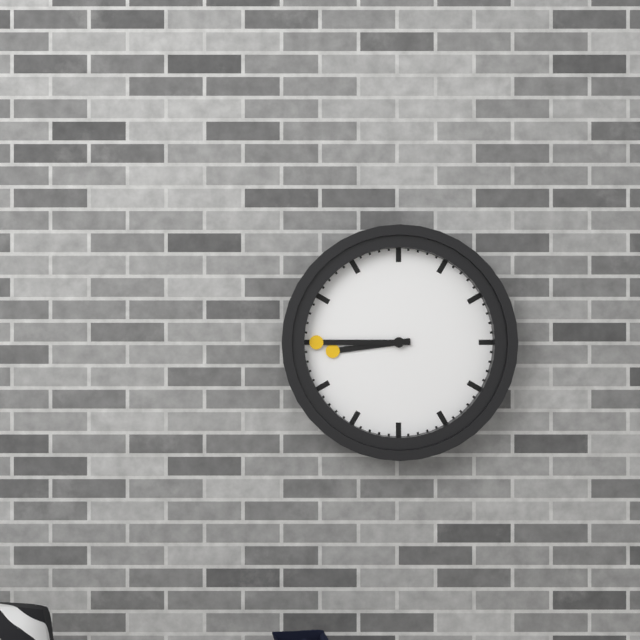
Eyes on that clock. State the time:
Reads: 8:45
